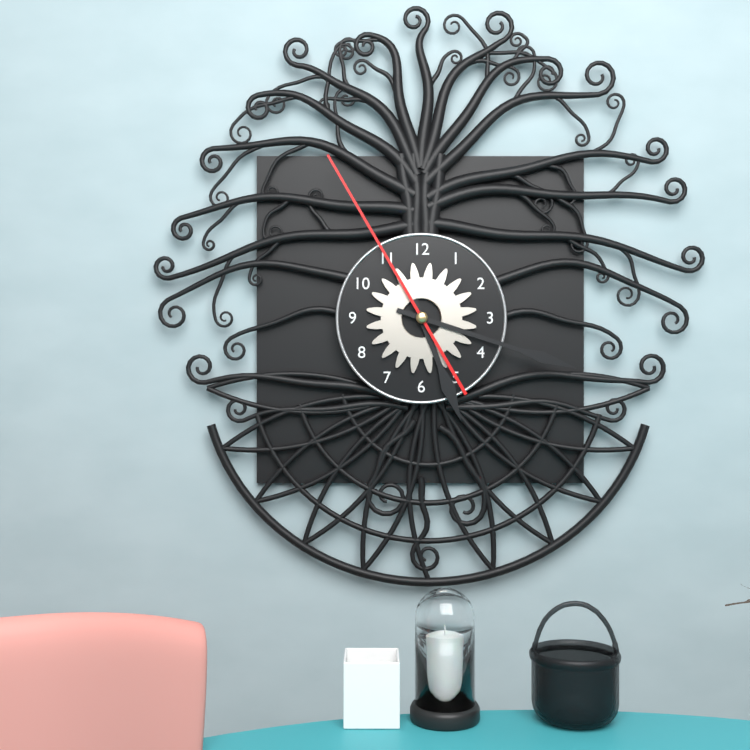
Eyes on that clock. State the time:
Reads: 5:18:55
